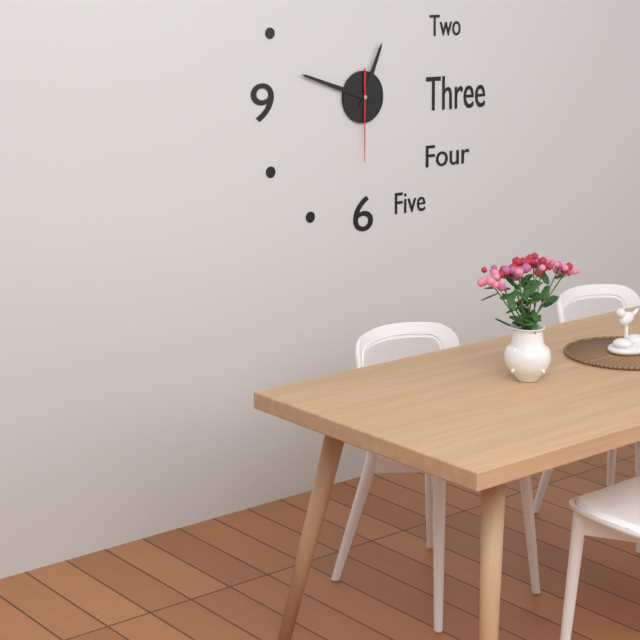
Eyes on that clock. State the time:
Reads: 12:48:30
